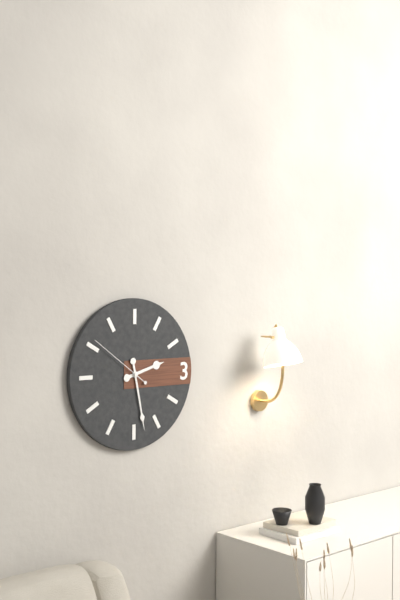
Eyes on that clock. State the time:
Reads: 2:28:51
